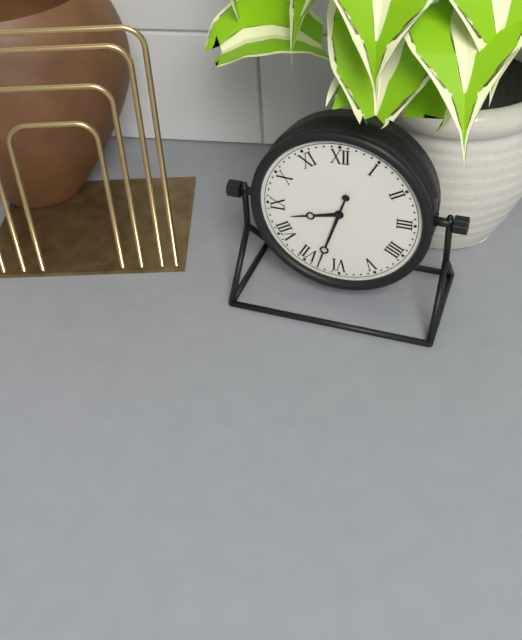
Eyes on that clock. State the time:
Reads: 8:33
